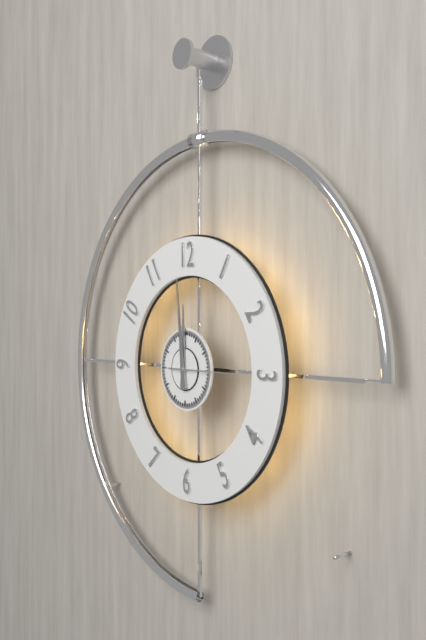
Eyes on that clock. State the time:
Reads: 11:59:15
